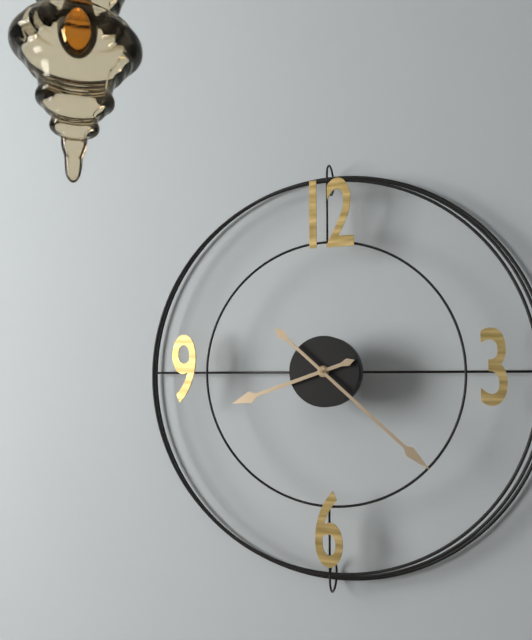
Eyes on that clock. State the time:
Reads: 8:22
